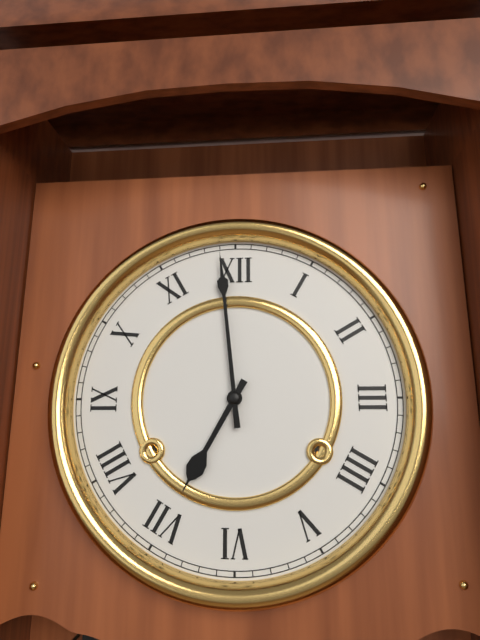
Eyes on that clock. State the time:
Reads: 6:59
